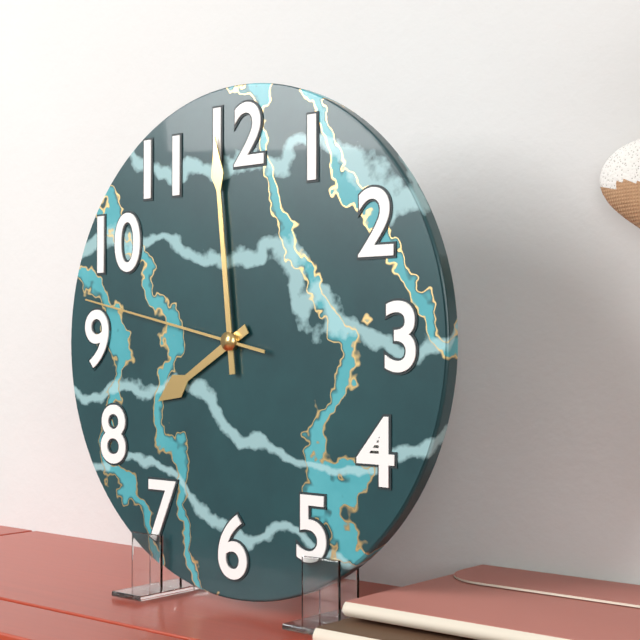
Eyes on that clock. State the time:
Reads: 7:59:47
